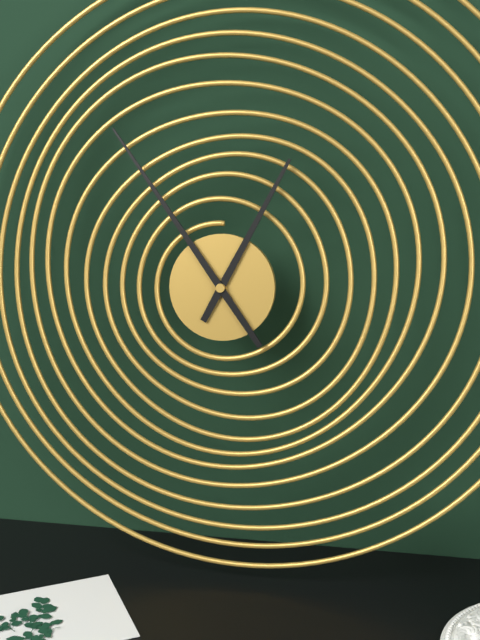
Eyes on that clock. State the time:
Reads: 12:54
